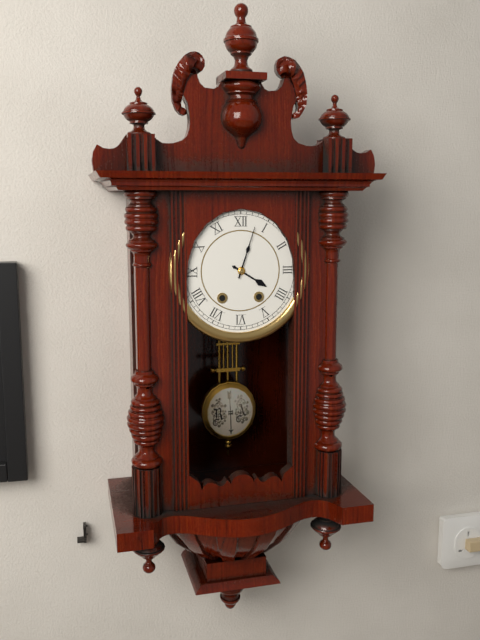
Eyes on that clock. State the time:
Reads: 4:03
